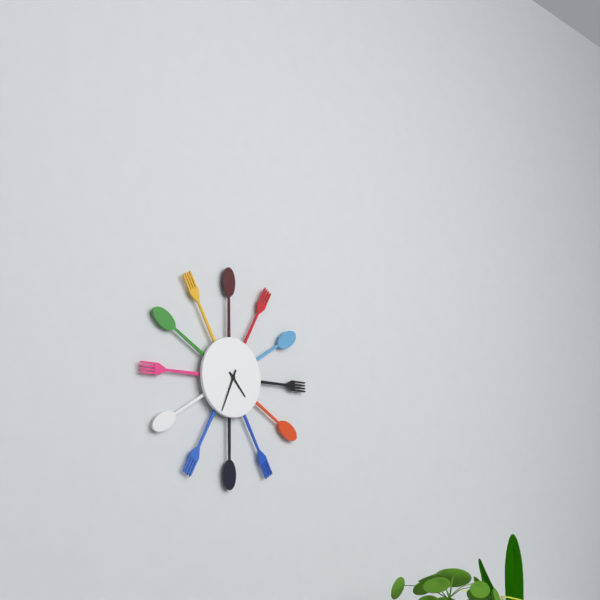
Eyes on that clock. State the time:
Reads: 4:34
